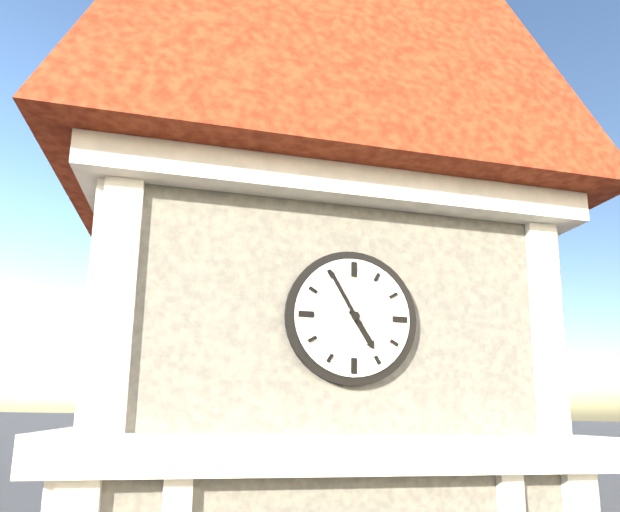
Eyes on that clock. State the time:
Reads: 4:55
